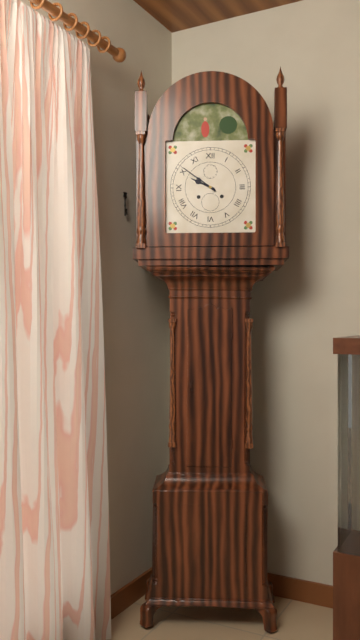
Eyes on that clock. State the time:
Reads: 9:51
